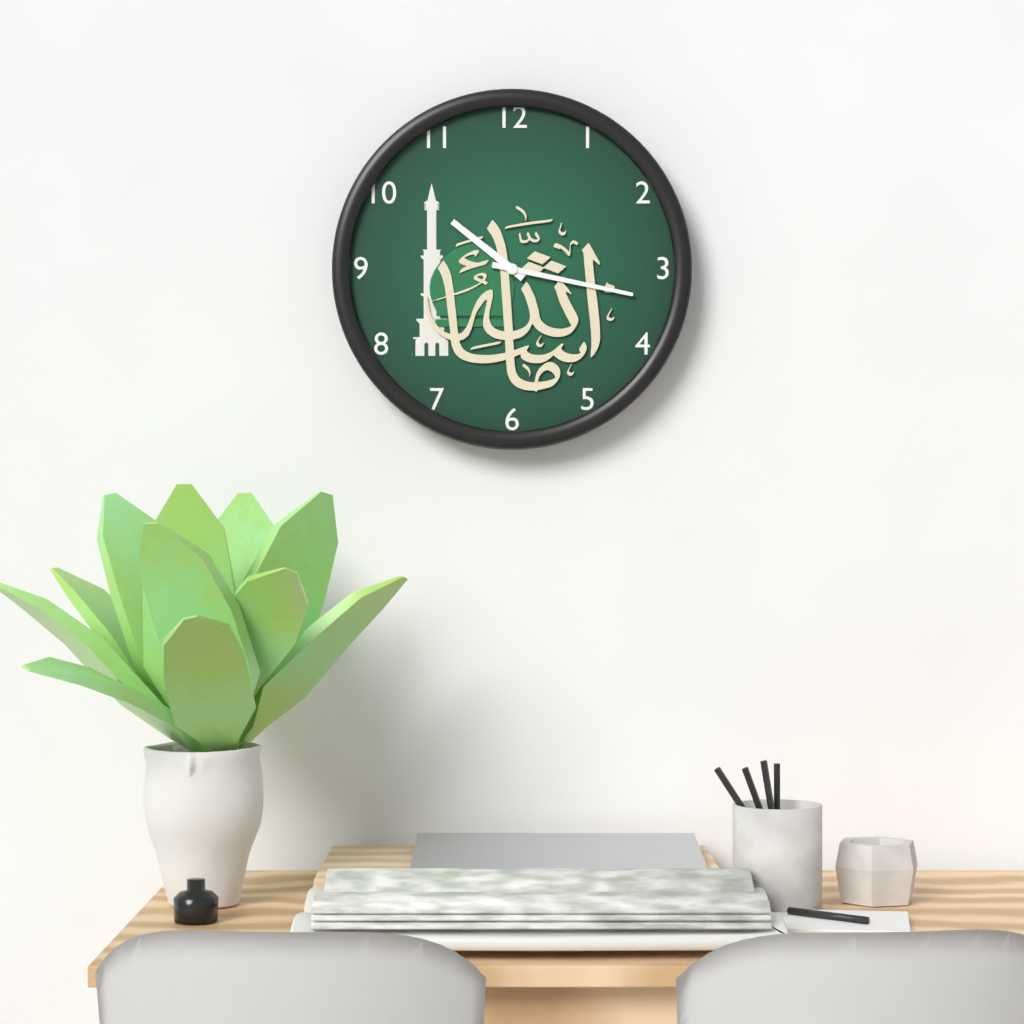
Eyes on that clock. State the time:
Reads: 10:17
